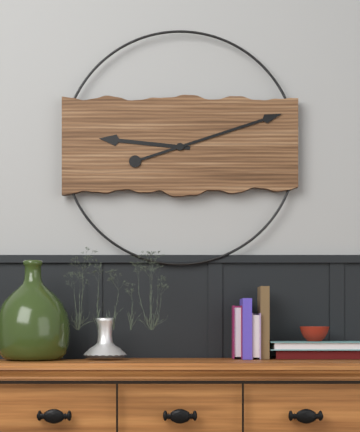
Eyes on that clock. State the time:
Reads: 9:12
